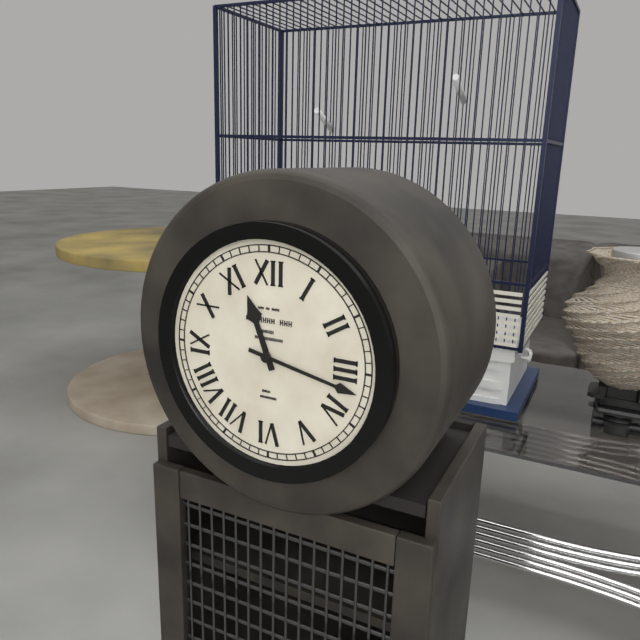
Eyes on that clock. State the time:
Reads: 11:17
